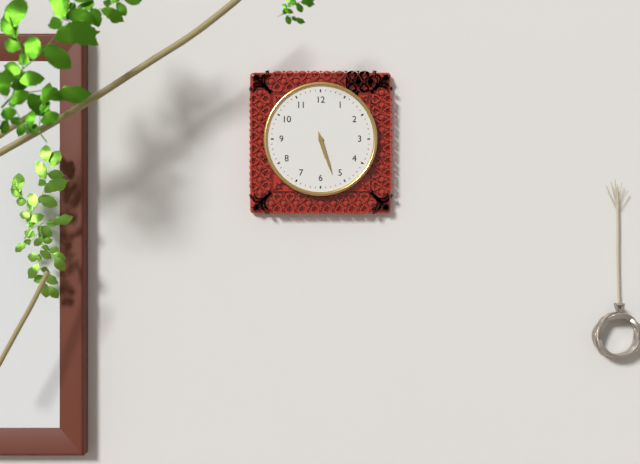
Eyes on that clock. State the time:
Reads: 5:27
